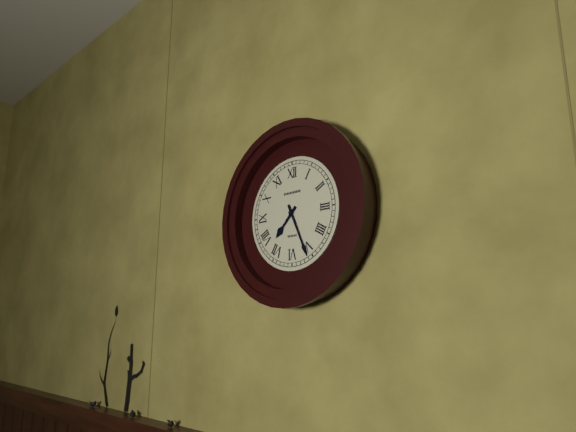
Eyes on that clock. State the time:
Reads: 7:26
